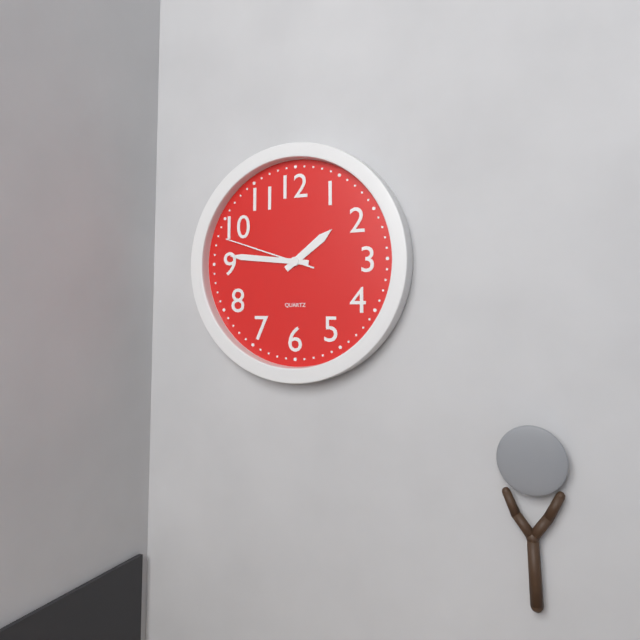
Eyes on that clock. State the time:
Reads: 1:46:48
